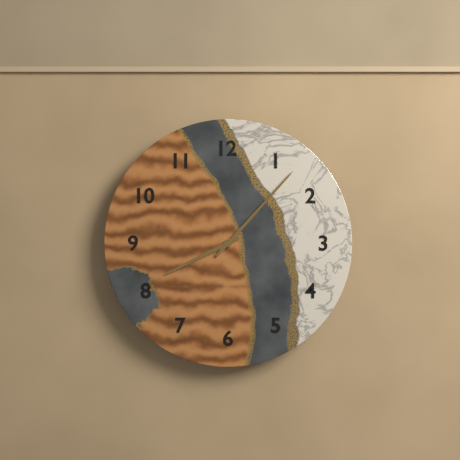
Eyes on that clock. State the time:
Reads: 8:07
